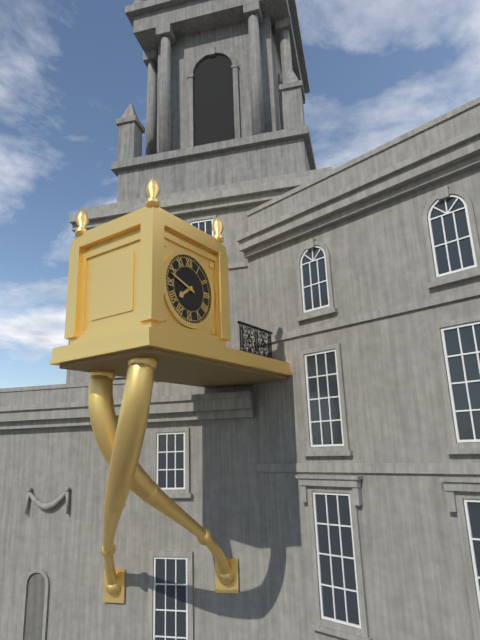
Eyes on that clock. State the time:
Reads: 7:48
